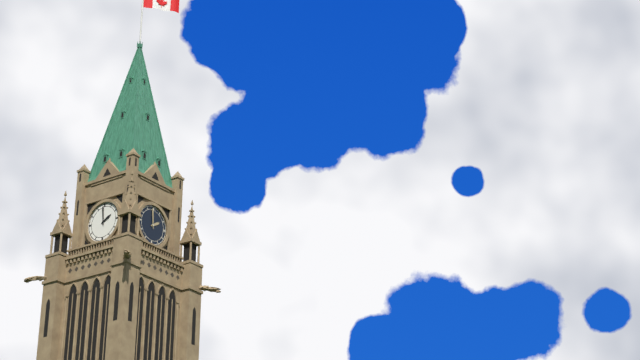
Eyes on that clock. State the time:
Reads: 1:59
